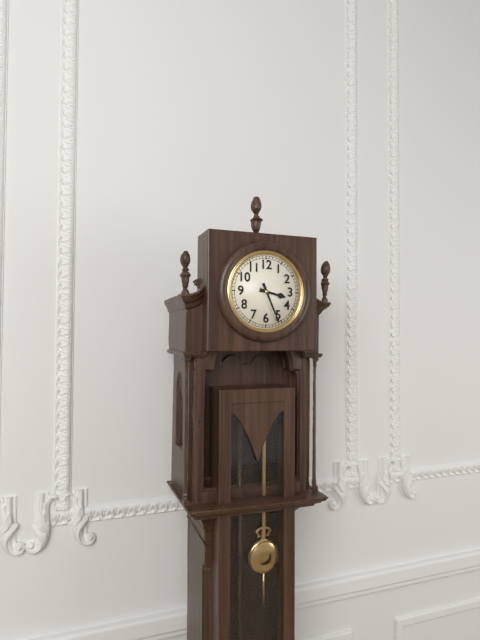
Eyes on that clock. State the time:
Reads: 3:26
